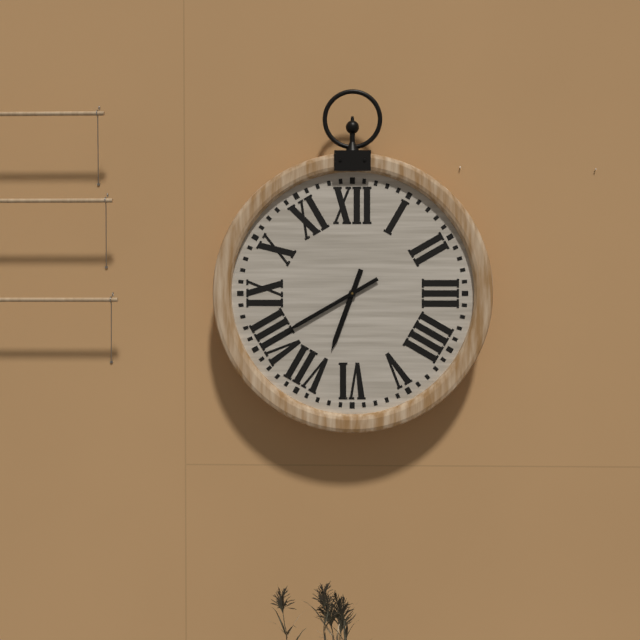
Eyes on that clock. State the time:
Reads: 6:40
